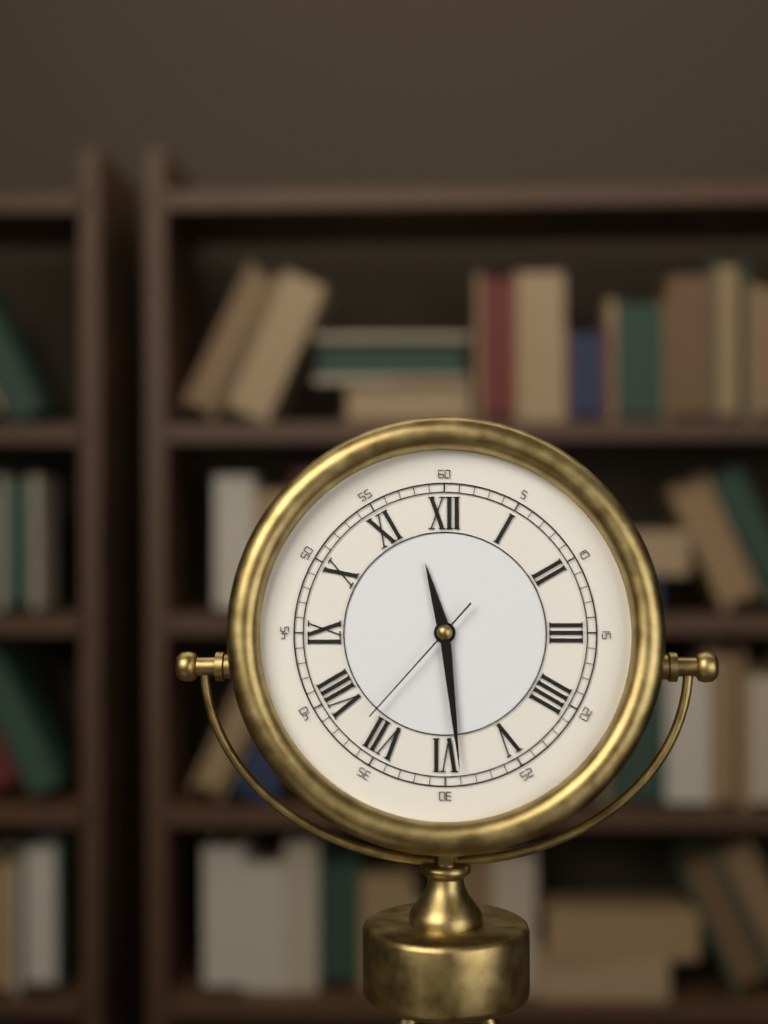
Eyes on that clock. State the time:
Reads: 11:29:37
